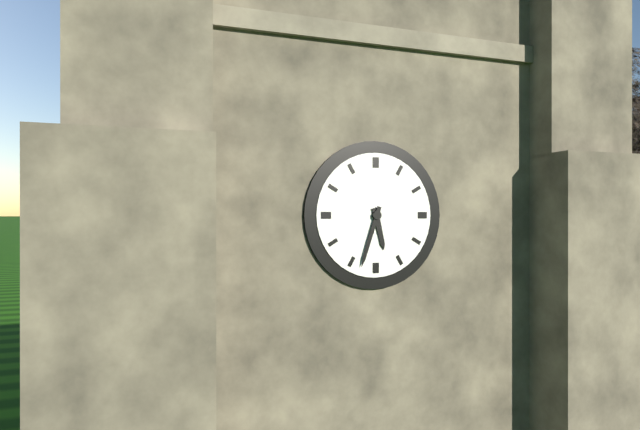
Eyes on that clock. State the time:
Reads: 5:33
